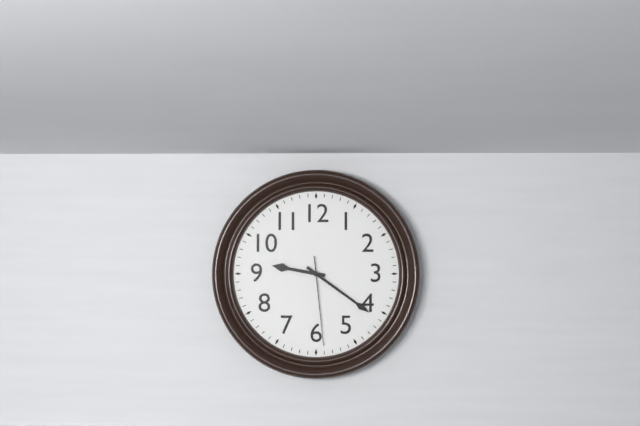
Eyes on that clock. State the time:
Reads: 9:21:29
